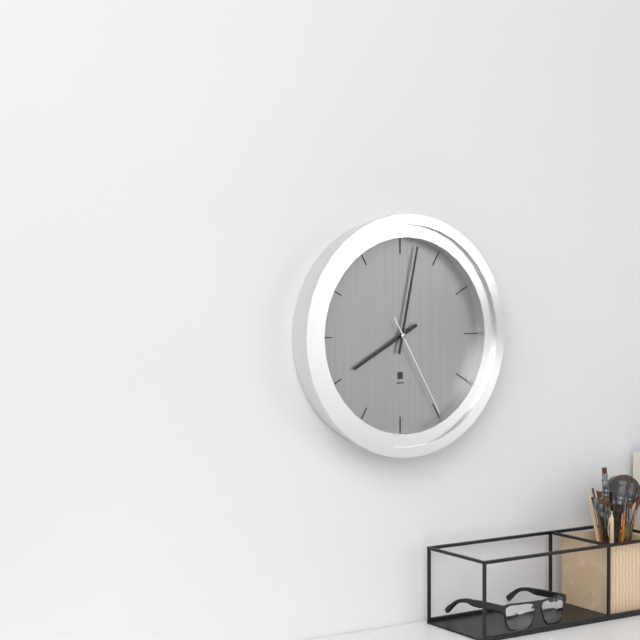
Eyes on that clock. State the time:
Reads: 8:02:25
